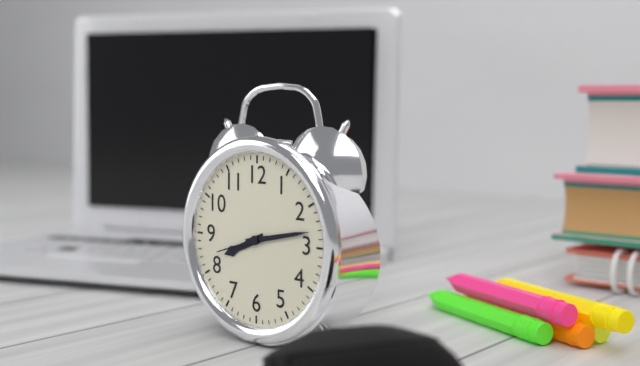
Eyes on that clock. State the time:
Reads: 8:13:42
